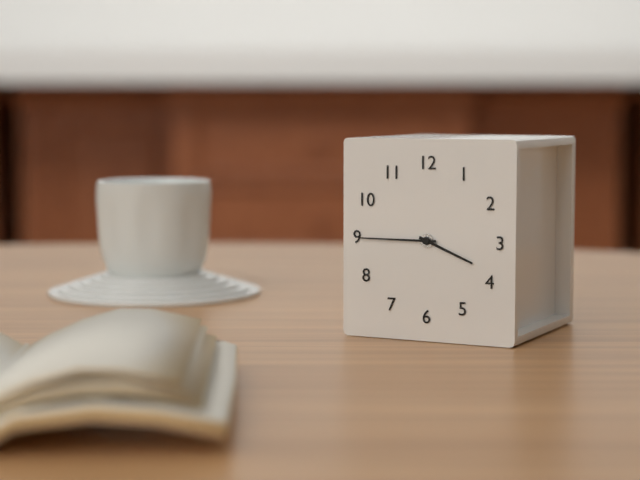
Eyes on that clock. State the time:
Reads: 3:45
